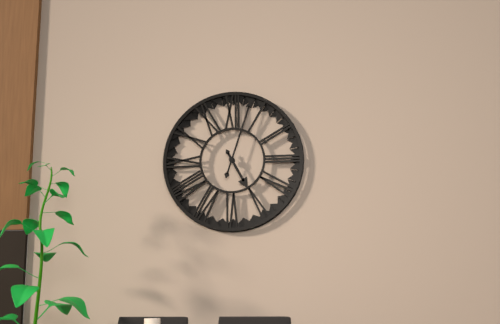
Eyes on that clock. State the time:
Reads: 5:03
